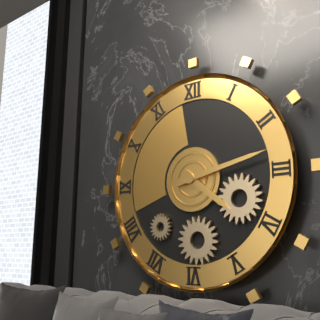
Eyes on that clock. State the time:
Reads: 4:13
